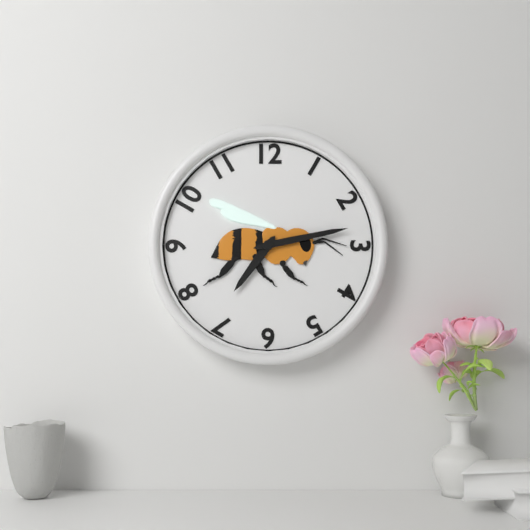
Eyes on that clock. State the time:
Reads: 7:13
